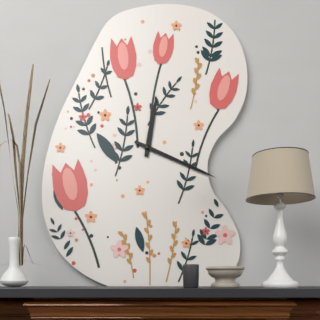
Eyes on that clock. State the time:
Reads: 12:19
